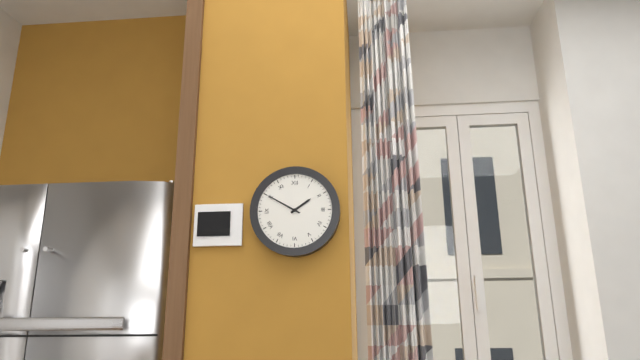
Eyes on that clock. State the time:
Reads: 1:50
